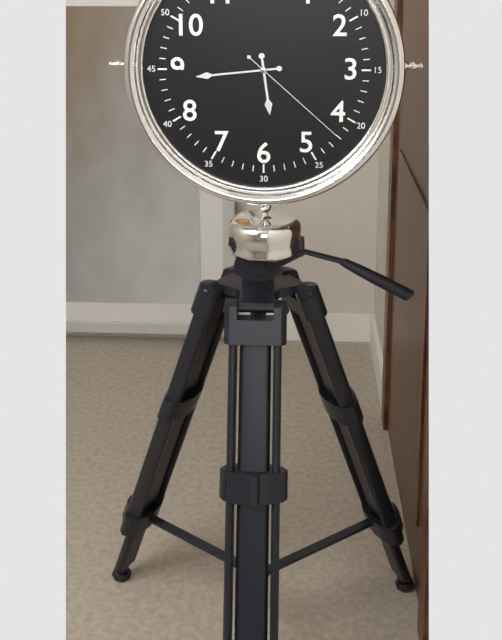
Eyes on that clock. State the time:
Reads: 5:44:22
